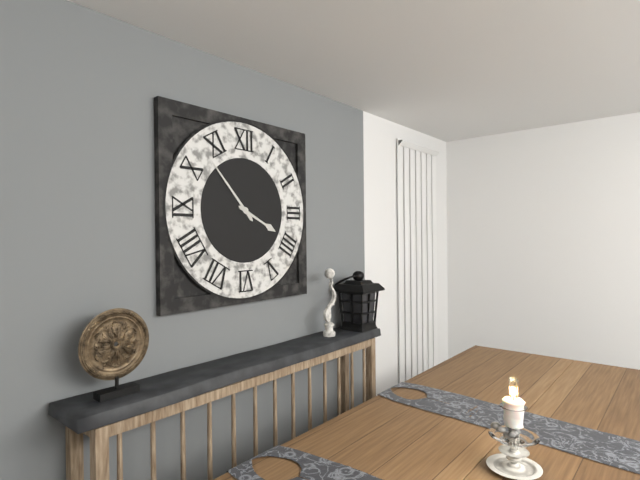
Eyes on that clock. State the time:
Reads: 3:53
